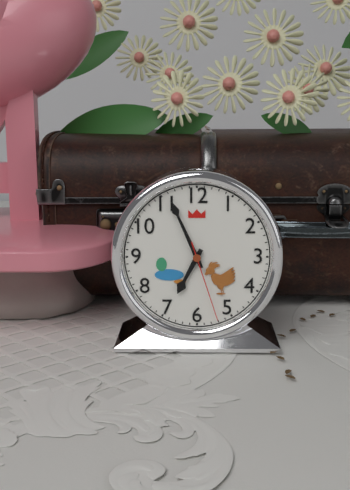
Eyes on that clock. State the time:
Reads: 6:56:27
